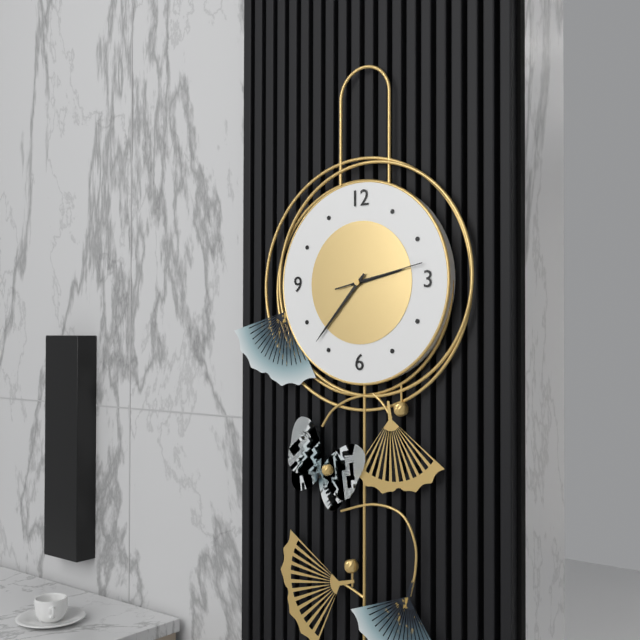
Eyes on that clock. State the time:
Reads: 2:37:13
